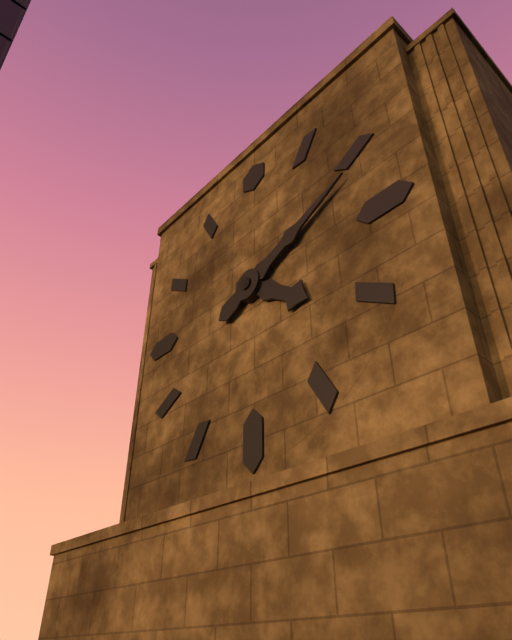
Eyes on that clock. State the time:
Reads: 4:11
